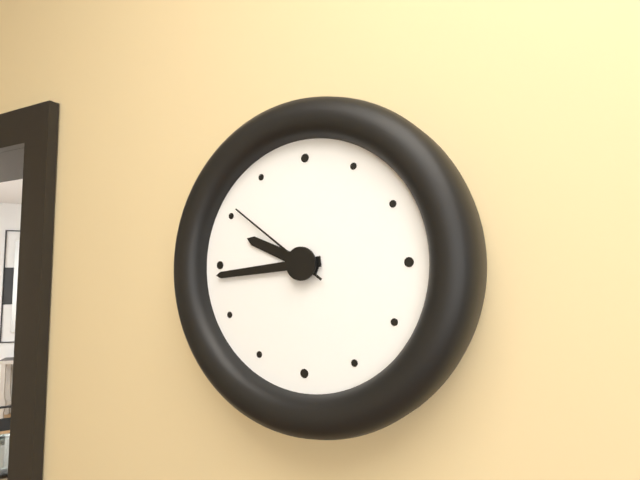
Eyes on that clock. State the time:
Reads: 9:44:51
